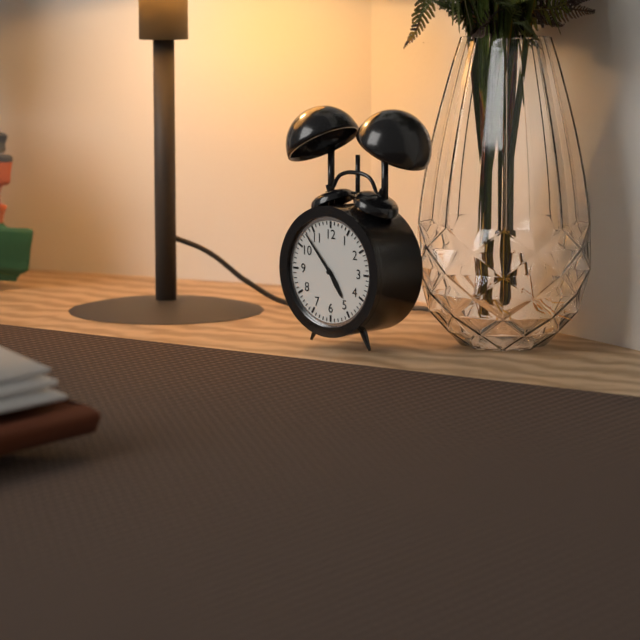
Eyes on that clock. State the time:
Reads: 4:53
